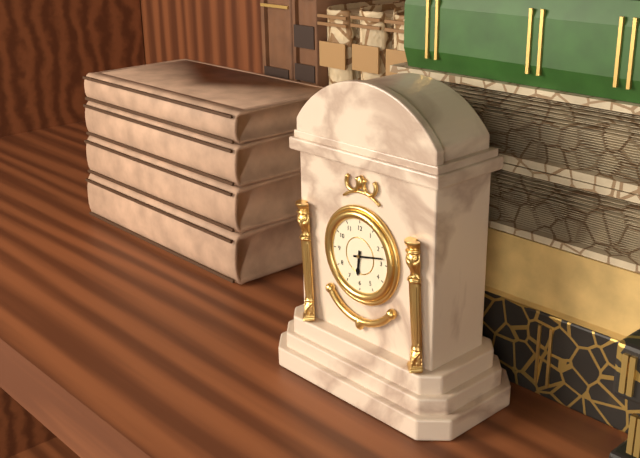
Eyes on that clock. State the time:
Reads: 6:13
